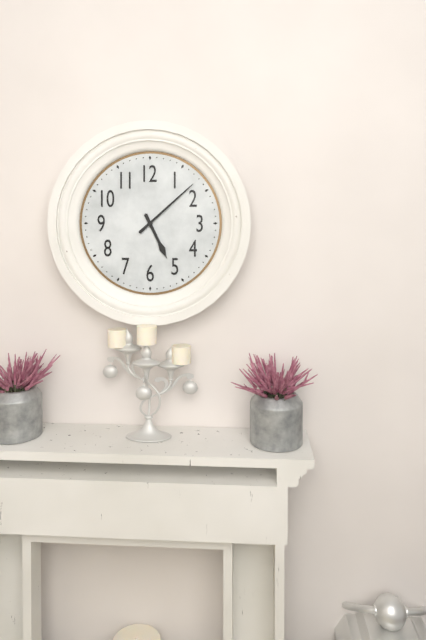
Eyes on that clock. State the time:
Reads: 5:08
